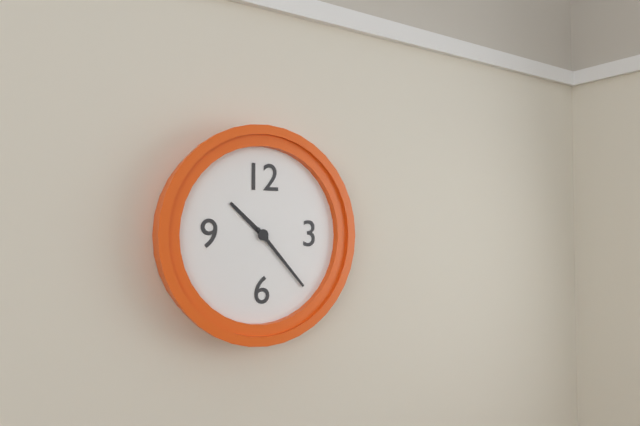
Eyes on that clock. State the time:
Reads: 10:23
